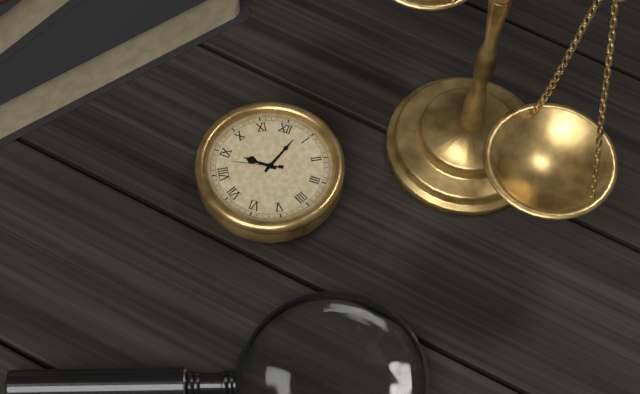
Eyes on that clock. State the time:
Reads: 9:03:43
